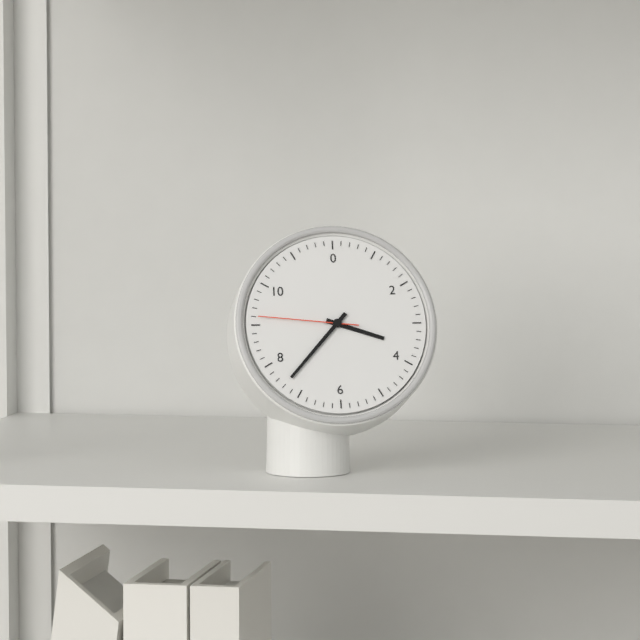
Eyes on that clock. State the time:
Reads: 3:37:46
